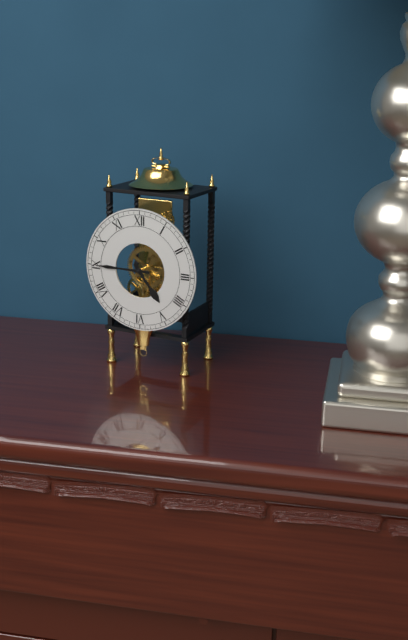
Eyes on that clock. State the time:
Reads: 4:45
